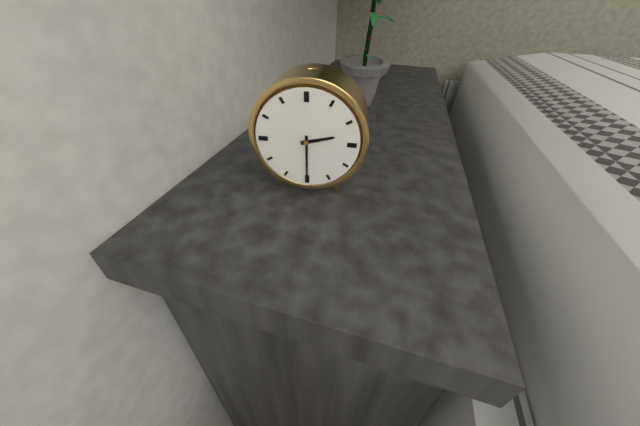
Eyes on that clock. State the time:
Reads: 2:30
